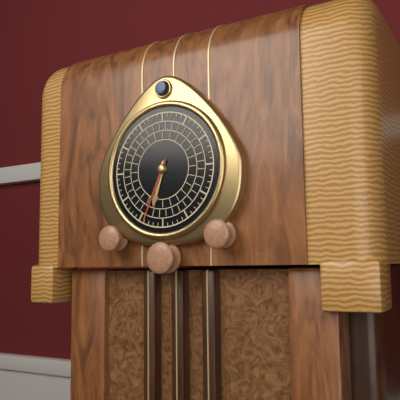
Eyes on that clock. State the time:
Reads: 6:34
